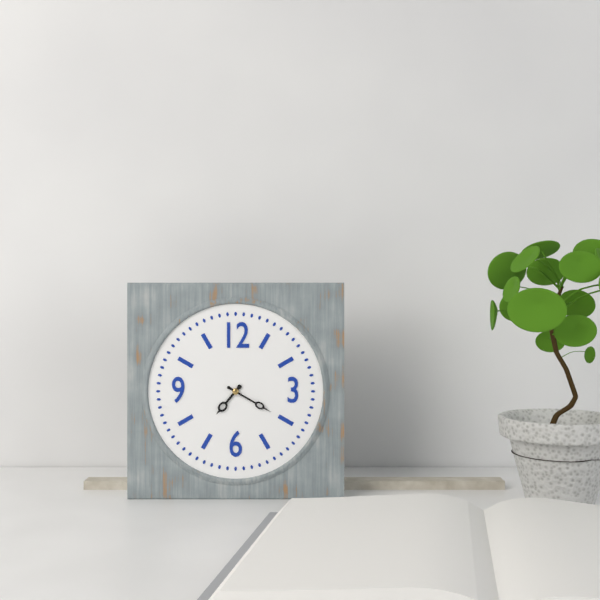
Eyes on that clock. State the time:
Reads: 7:20
